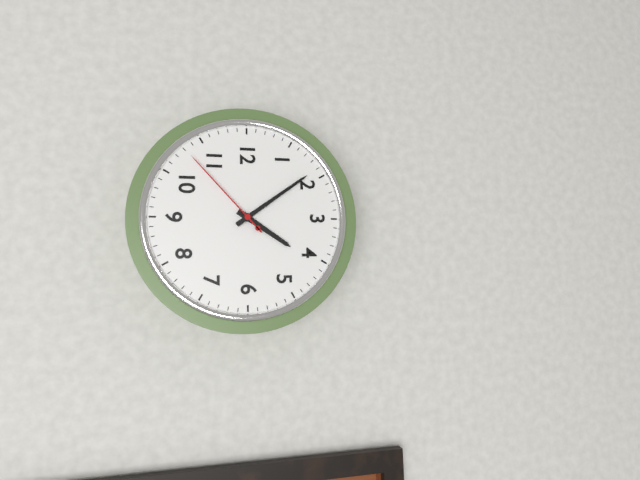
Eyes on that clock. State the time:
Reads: 4:09:53
